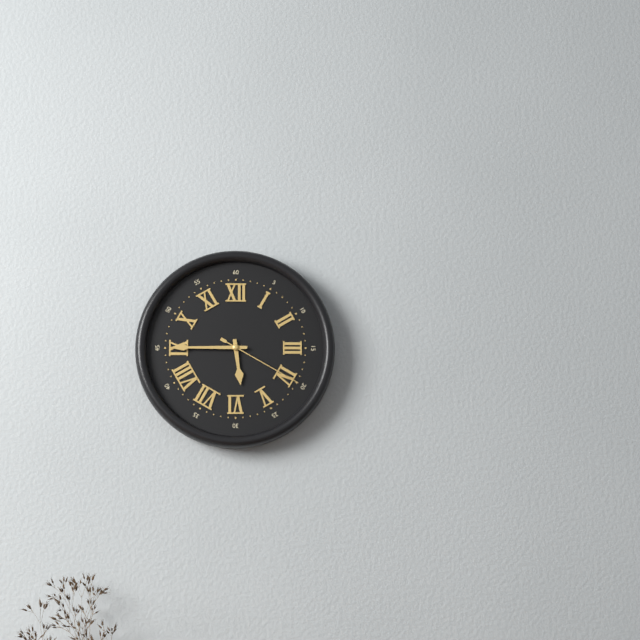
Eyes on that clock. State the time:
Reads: 5:45:20
